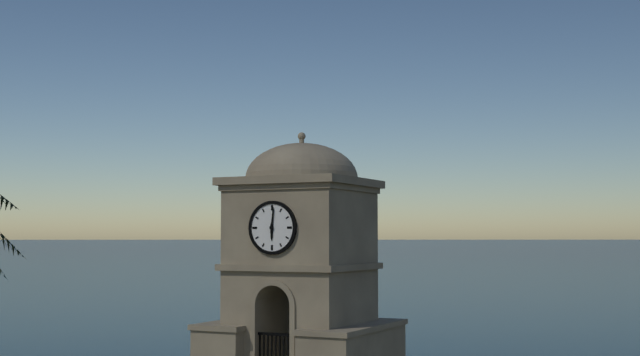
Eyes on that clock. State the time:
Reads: 6:01
